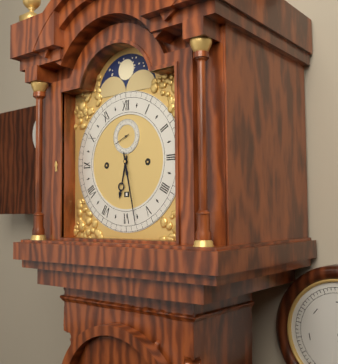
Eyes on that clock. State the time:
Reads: 6:28
